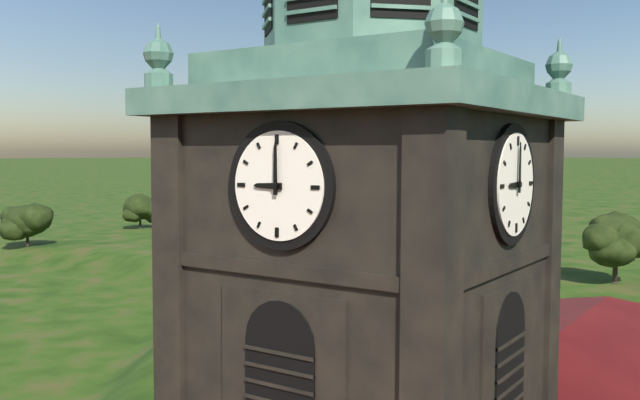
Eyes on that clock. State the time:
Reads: 9:00
